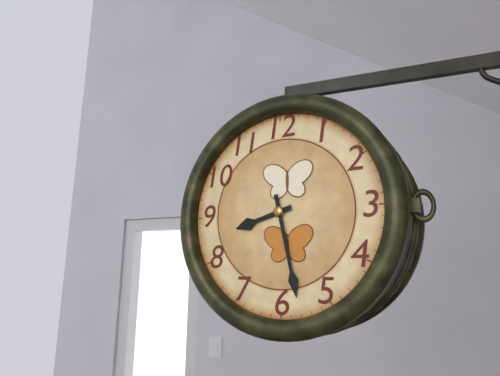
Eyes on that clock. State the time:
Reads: 8:28
